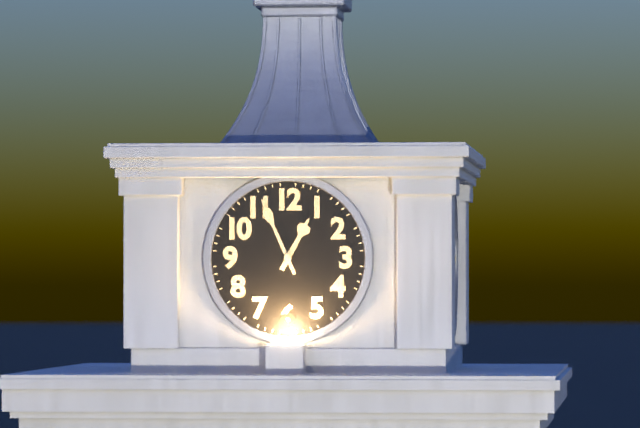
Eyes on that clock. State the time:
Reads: 12:56
